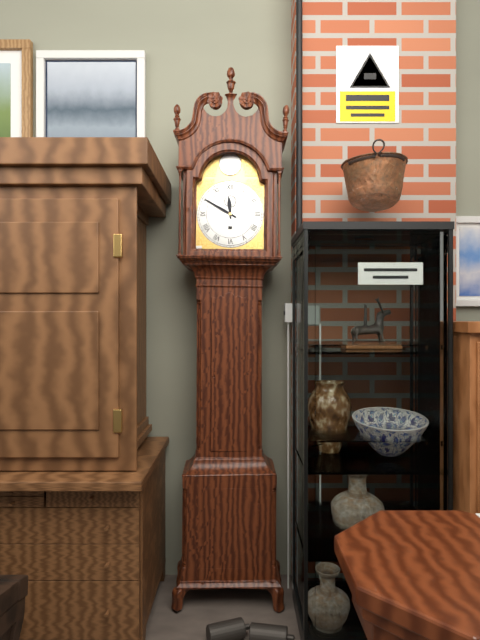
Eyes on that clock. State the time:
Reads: 11:50
